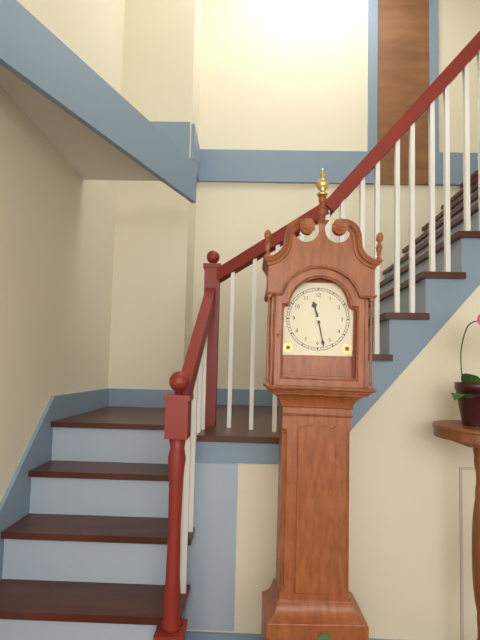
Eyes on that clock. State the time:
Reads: 11:28
